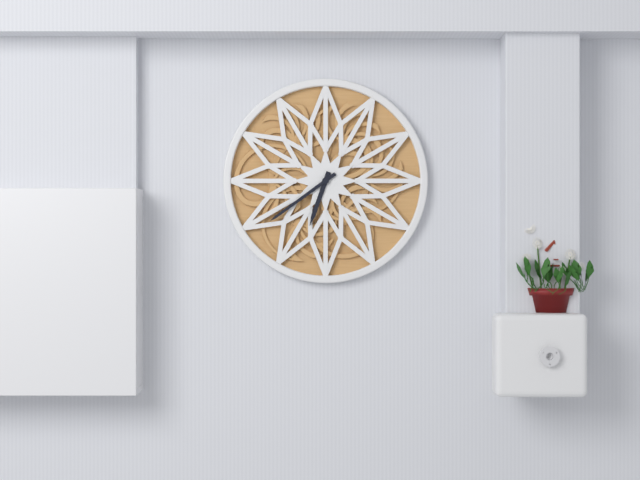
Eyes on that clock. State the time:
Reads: 6:39
